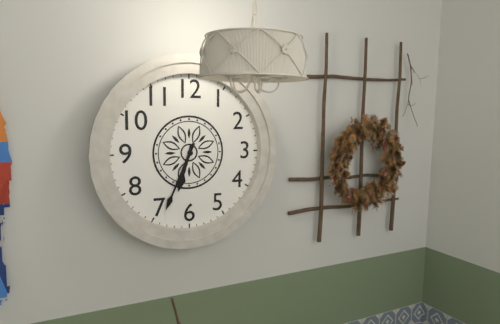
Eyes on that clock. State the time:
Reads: 6:34
